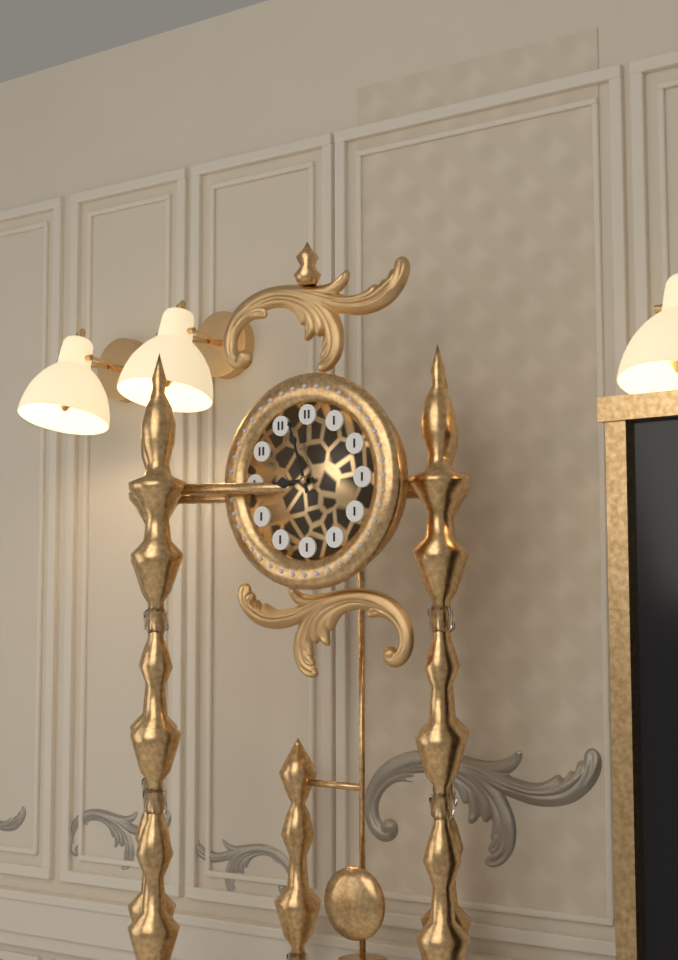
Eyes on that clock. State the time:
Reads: 8:57
